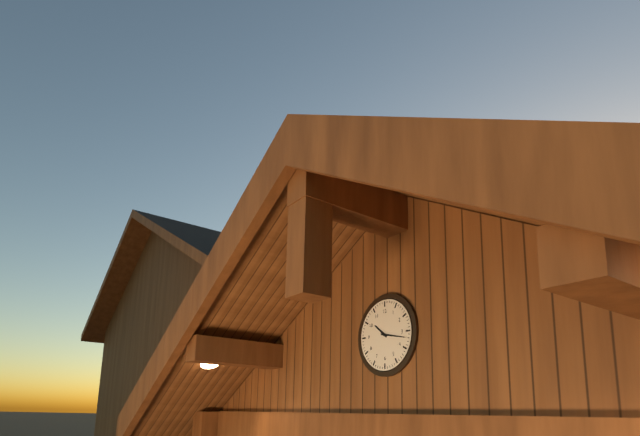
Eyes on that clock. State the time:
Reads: 10:17
